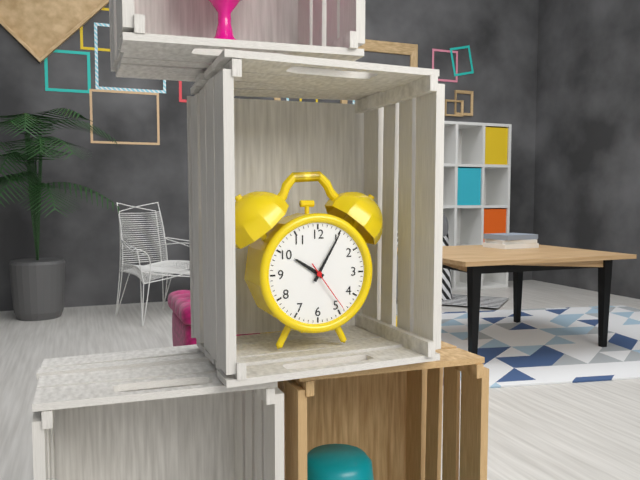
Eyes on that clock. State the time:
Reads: 10:05:24
